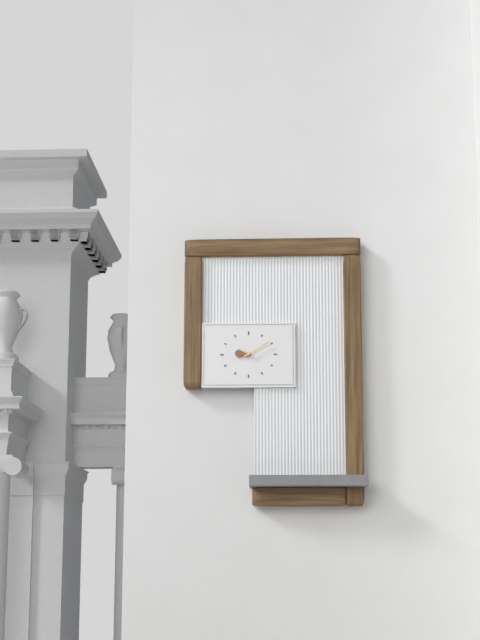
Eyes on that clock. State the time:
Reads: 9:10
